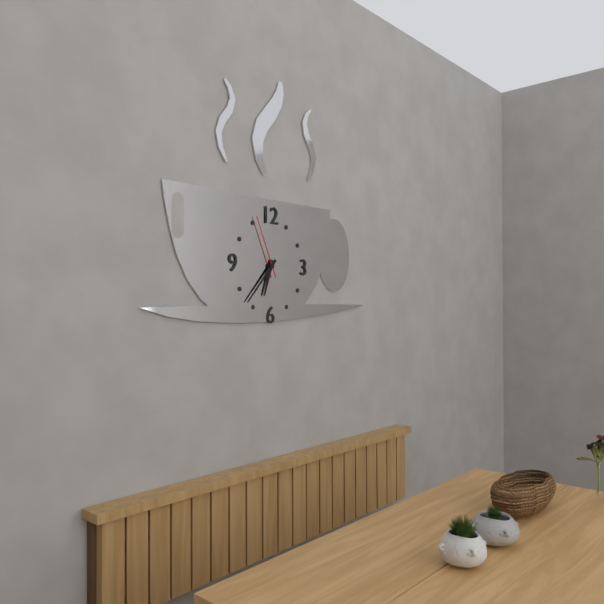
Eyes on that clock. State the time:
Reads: 6:37:56
